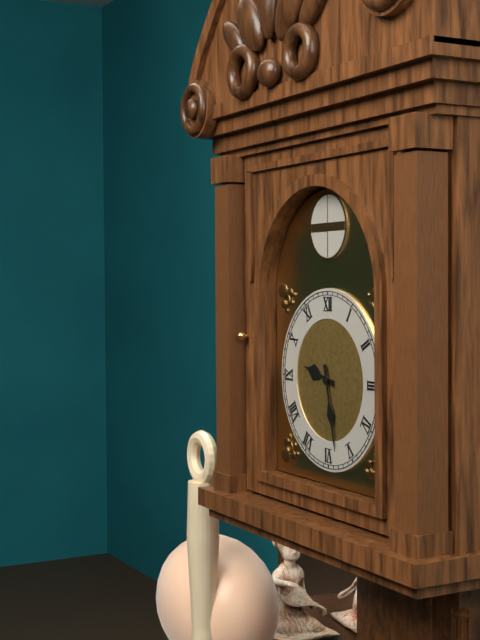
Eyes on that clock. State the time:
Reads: 9:28
